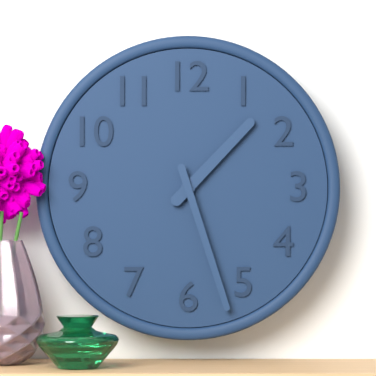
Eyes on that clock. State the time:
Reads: 1:27
